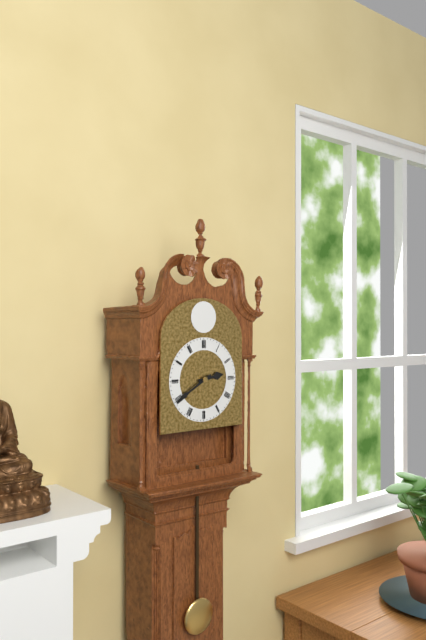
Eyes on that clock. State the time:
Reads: 2:40
